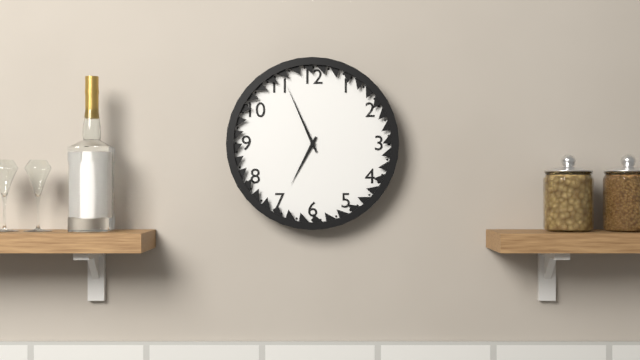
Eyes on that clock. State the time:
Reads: 6:56
